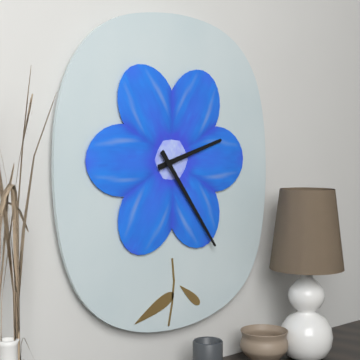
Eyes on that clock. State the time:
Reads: 2:24
